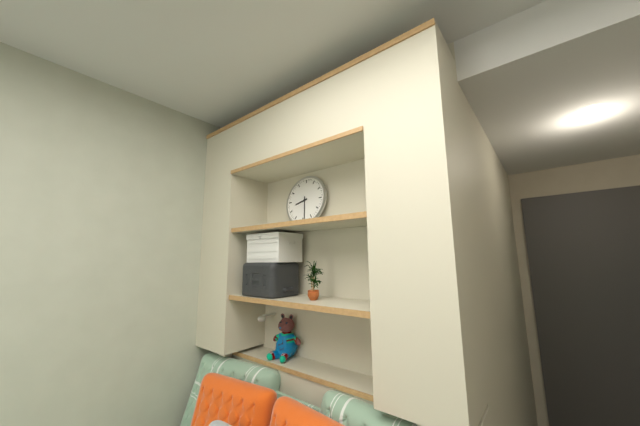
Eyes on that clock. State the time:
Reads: 8:29
